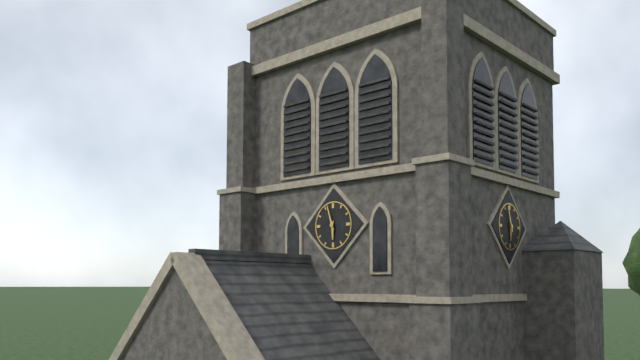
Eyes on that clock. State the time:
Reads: 5:57
